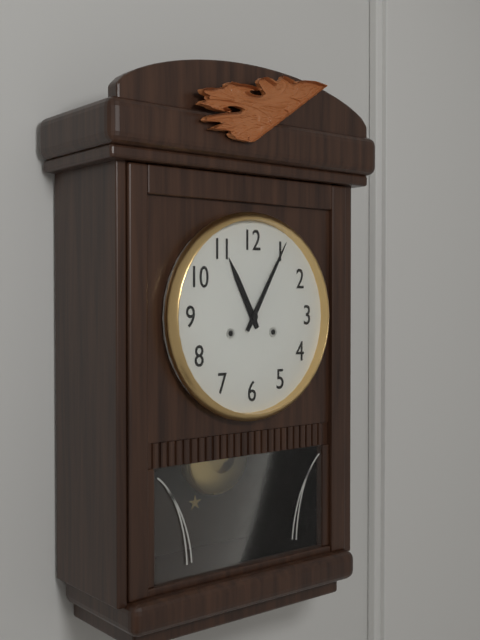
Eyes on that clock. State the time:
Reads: 11:05
